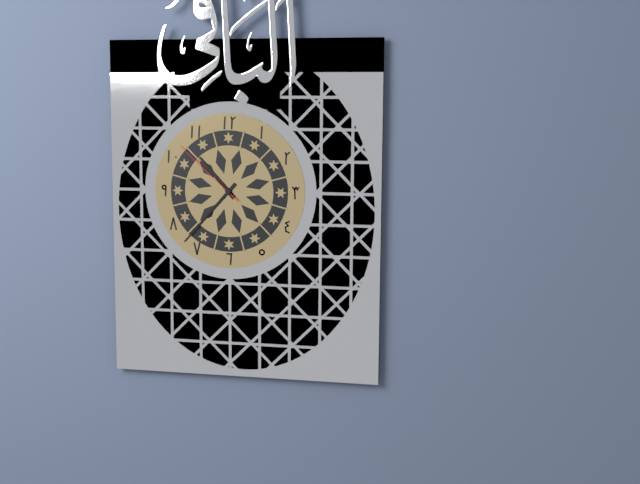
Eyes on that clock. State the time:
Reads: 10:37:52
